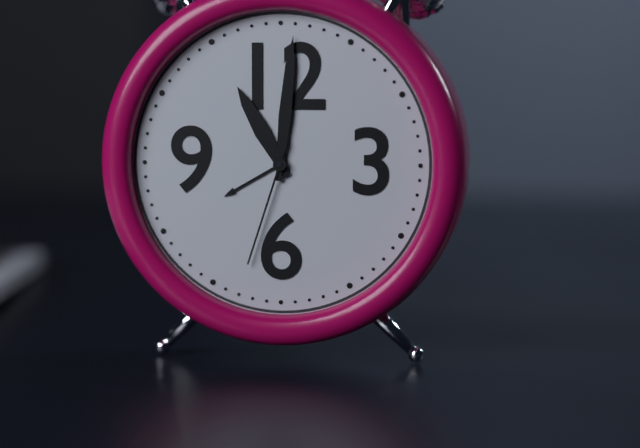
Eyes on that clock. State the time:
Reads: 11:01:33
